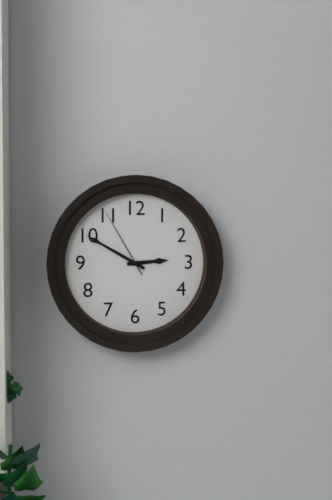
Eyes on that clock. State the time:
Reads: 2:50:55
